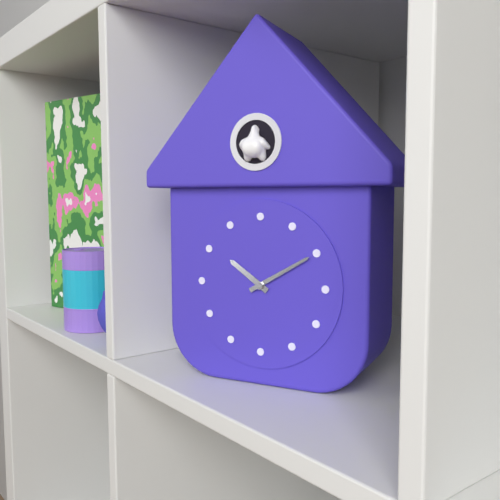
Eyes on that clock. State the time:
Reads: 10:10
